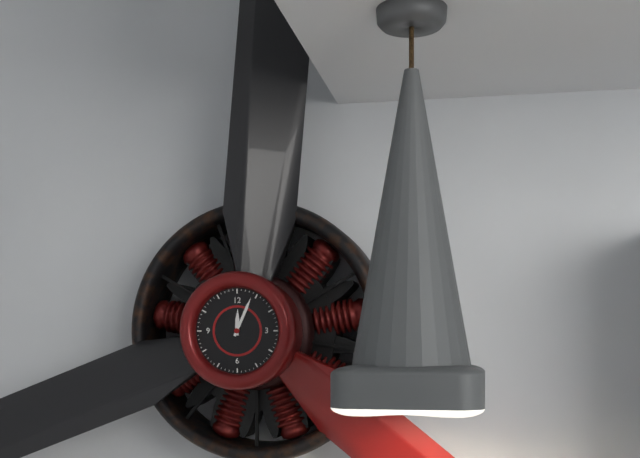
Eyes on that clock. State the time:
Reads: 12:04
